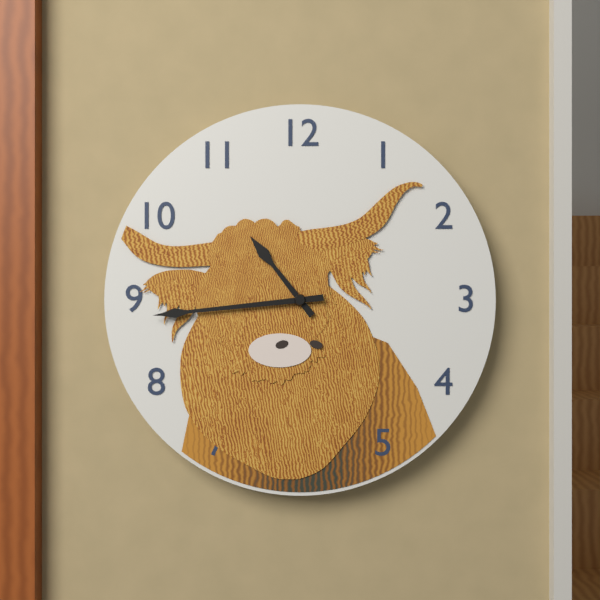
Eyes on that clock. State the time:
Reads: 10:44
